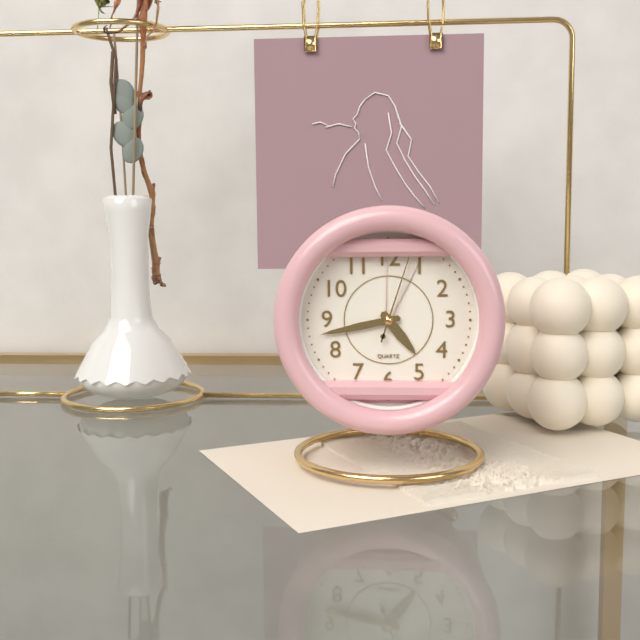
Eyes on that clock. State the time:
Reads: 4:43:03
